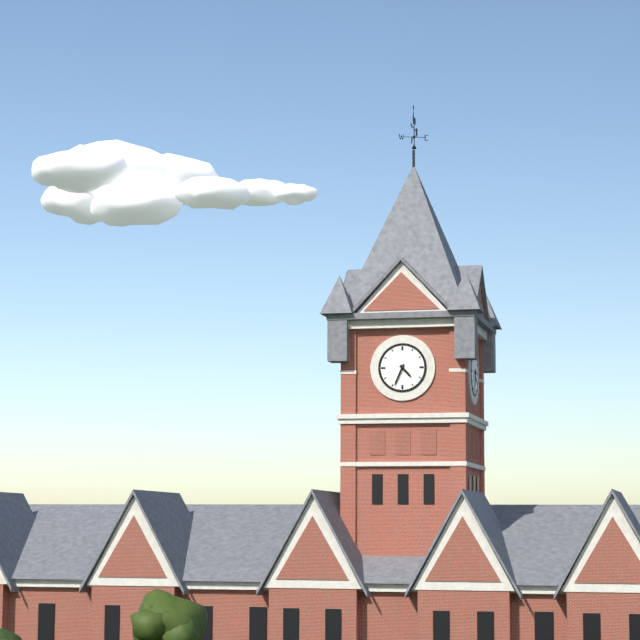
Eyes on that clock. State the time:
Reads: 4:34
